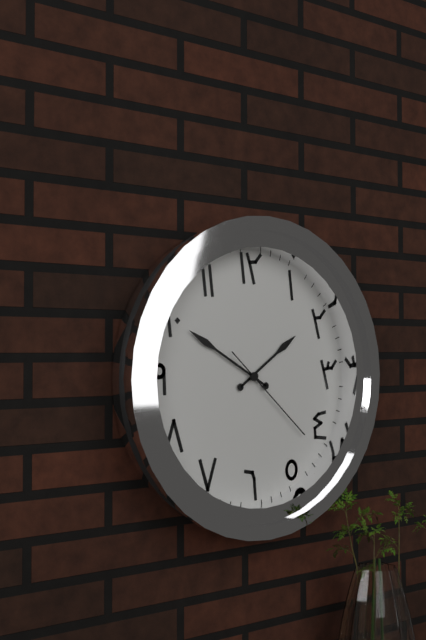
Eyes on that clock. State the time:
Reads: 1:50:22
